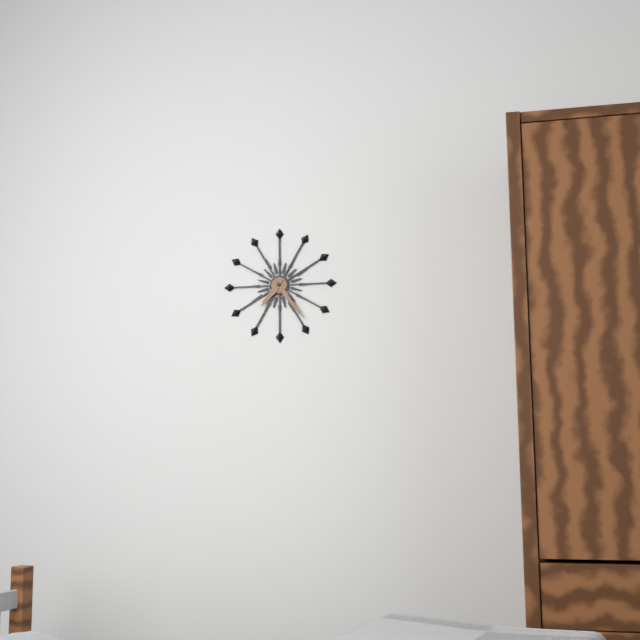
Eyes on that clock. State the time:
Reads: 7:24
